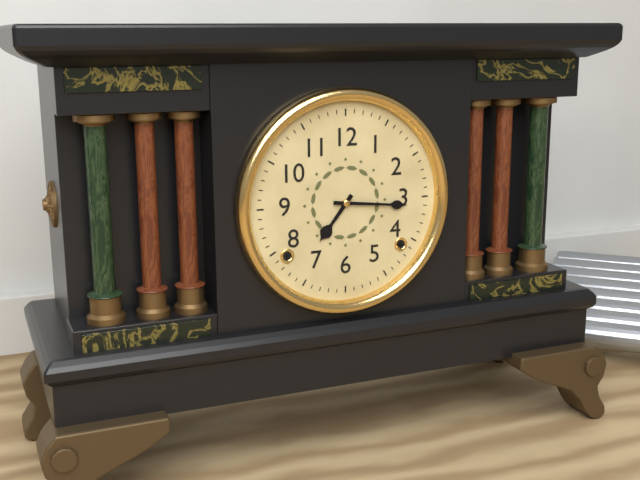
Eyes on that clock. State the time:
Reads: 7:16
